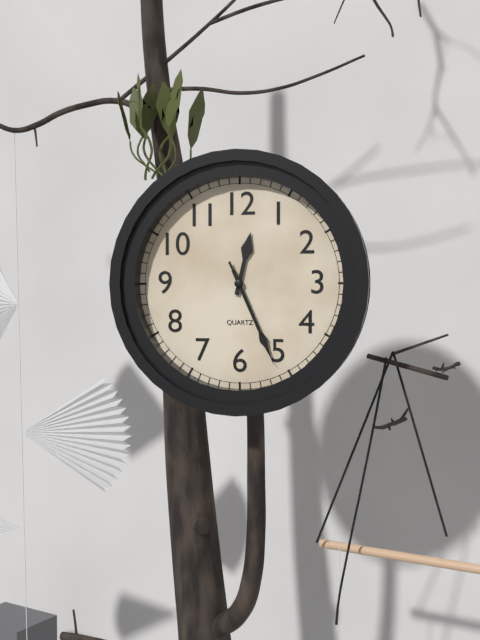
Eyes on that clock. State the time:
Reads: 12:26:26
